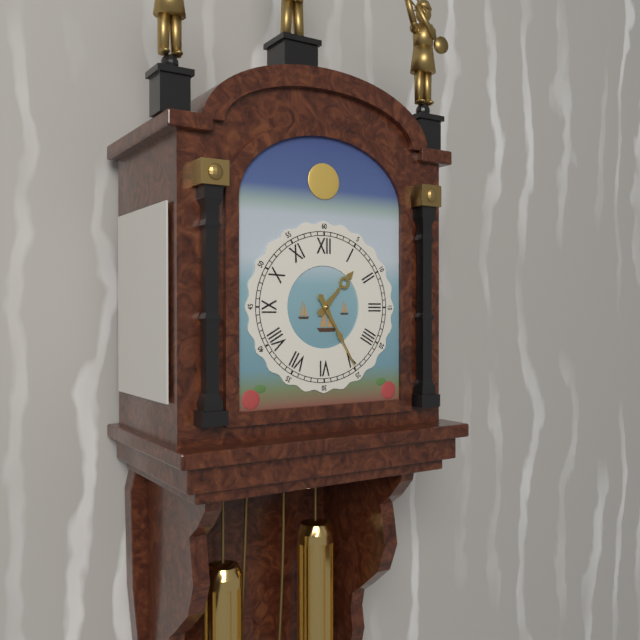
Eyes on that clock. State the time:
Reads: 1:25
